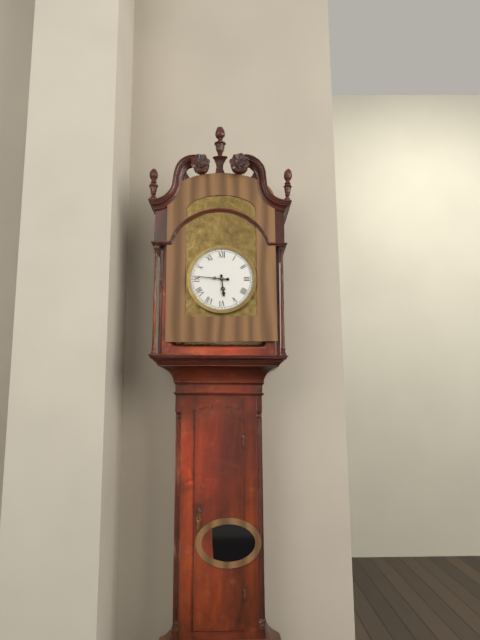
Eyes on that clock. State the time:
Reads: 5:46
